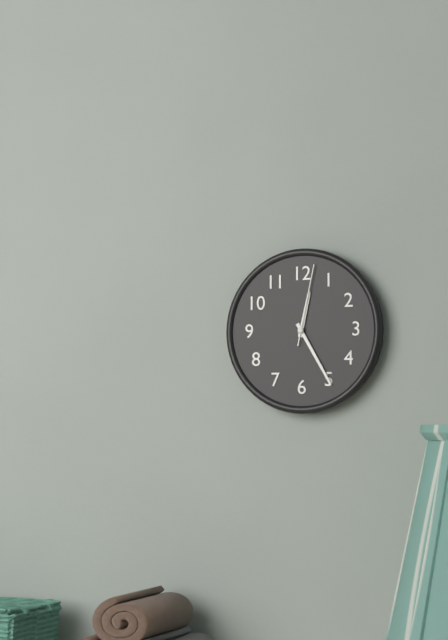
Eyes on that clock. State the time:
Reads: 12:25:02
